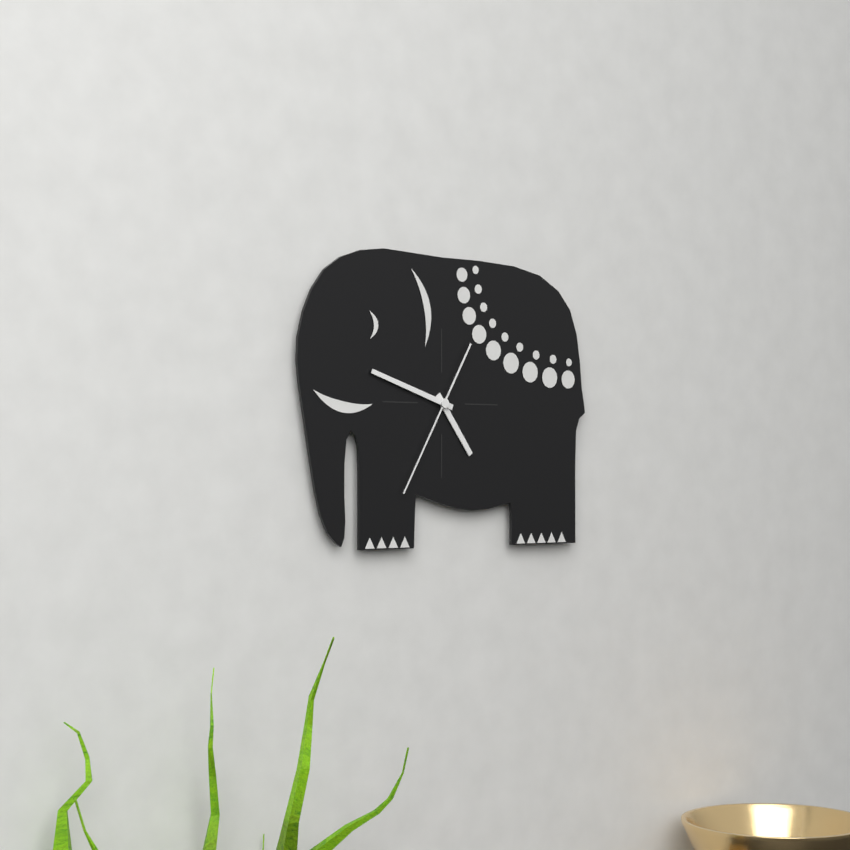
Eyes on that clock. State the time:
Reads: 4:48:35
